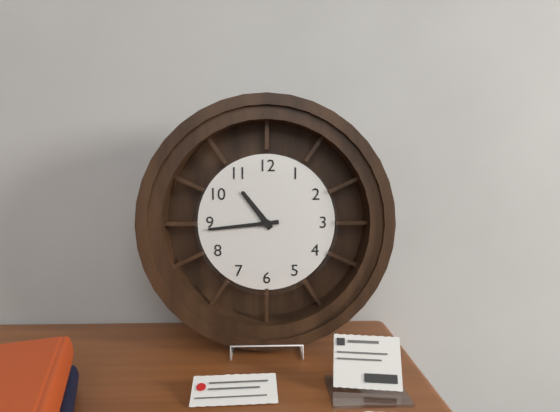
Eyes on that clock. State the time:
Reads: 10:44
